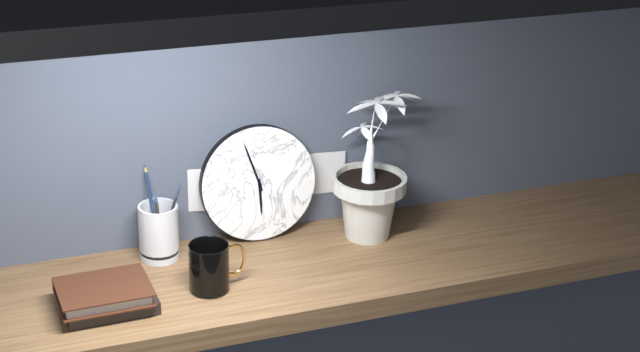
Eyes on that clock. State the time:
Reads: 5:57
